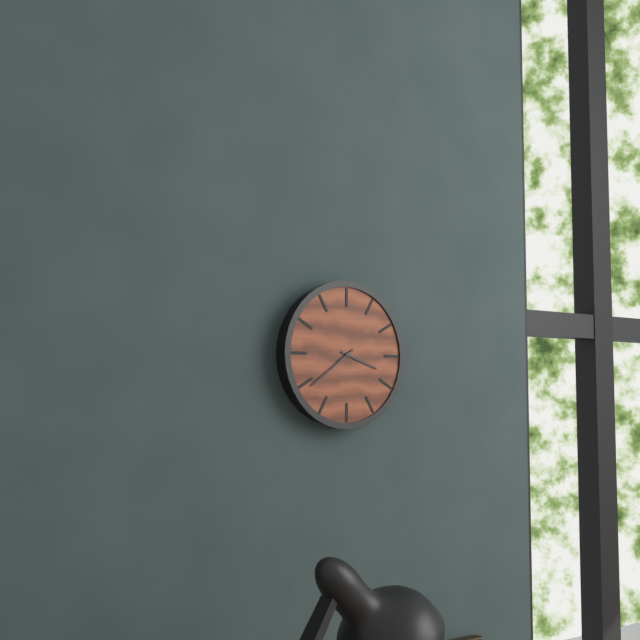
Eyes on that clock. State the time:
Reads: 3:39
